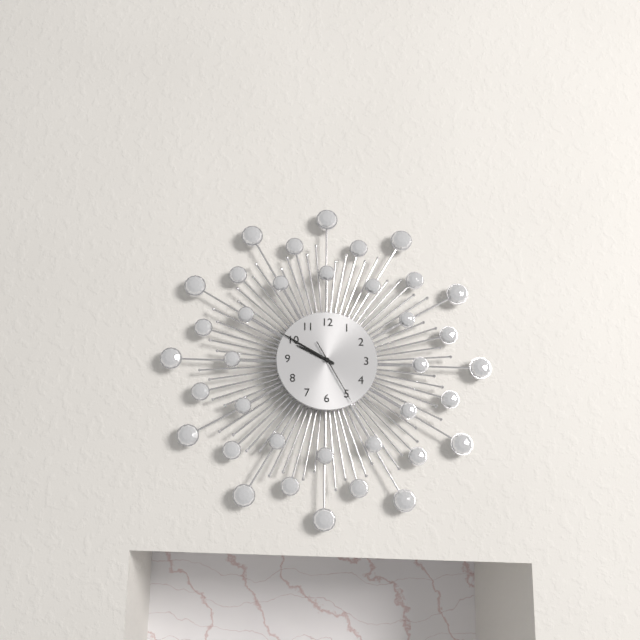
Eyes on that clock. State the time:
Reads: 9:50:25
